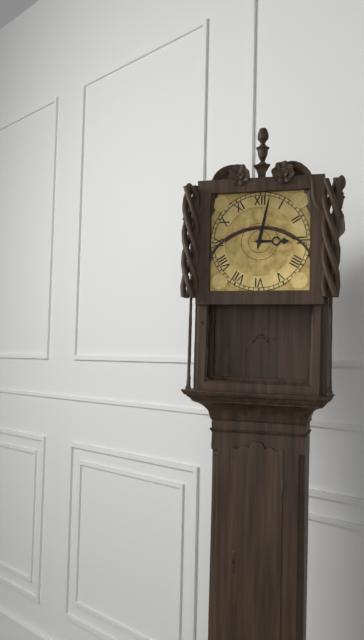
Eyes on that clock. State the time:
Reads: 3:02
